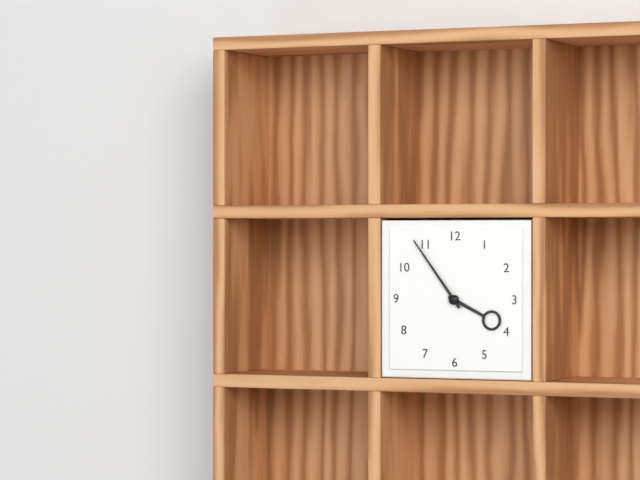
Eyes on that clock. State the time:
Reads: 3:54
